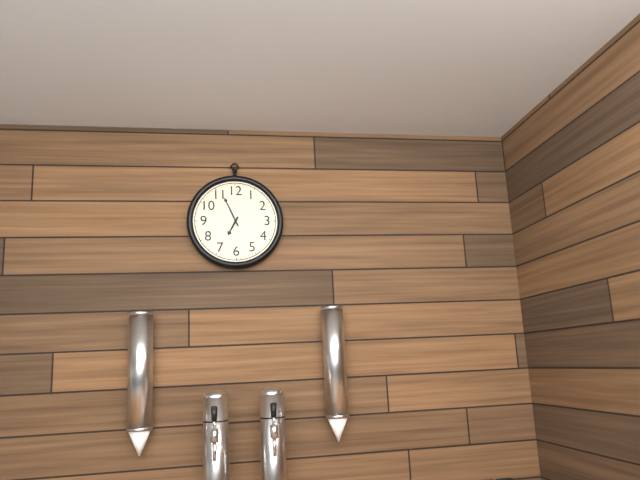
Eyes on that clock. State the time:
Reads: 6:56
